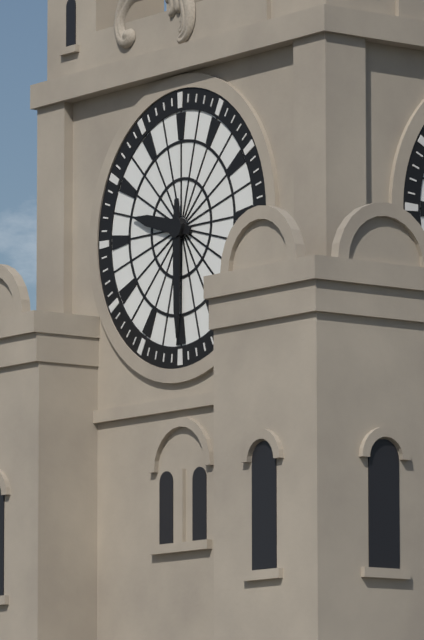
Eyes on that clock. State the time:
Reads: 9:30
